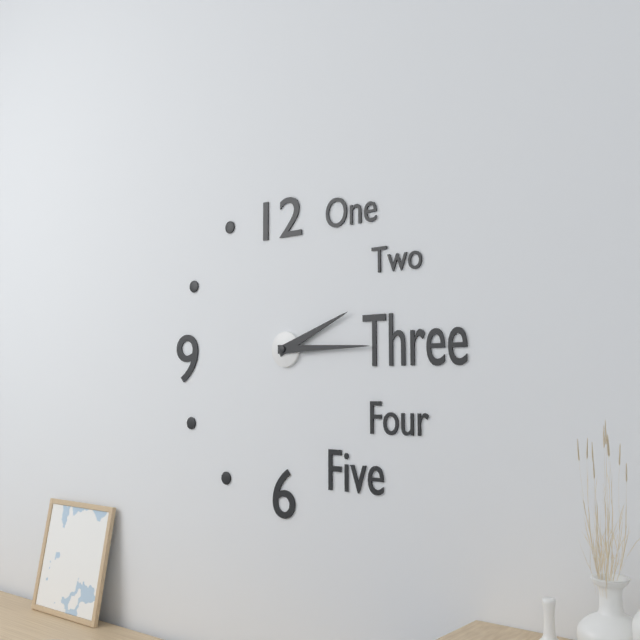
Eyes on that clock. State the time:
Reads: 2:15
